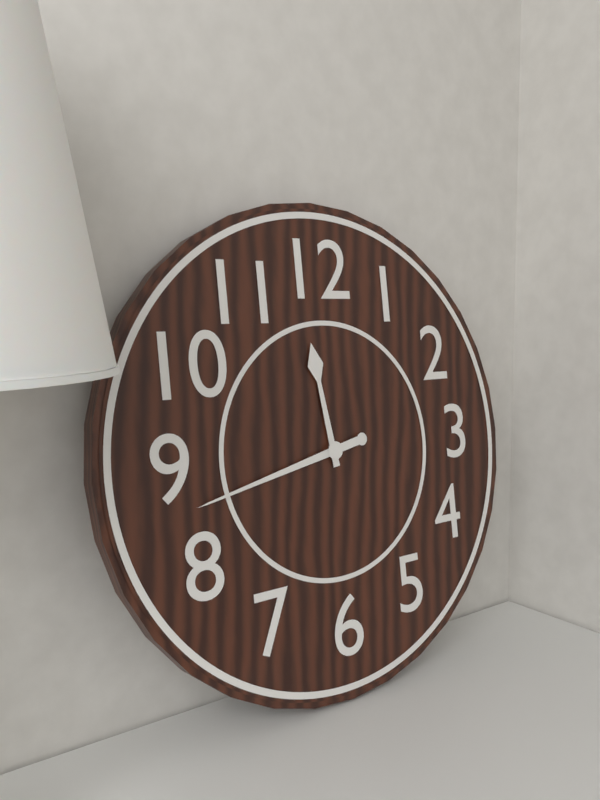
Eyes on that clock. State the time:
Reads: 11:43
